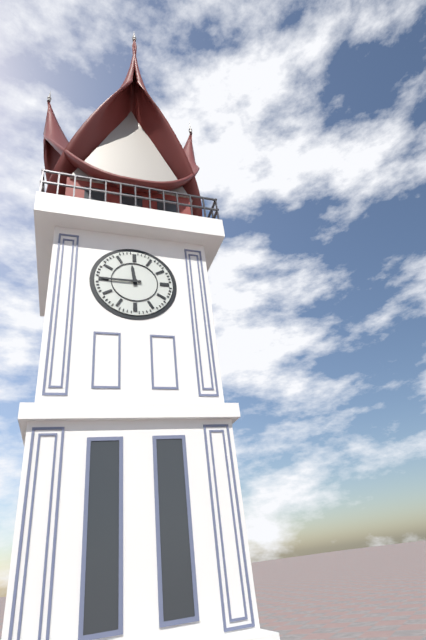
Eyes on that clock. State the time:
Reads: 11:45
